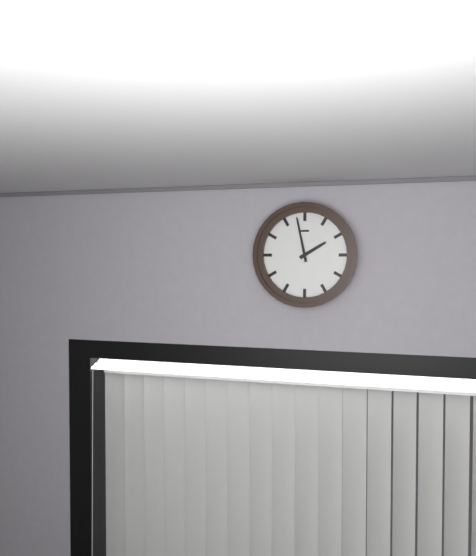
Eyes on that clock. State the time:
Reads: 1:58
